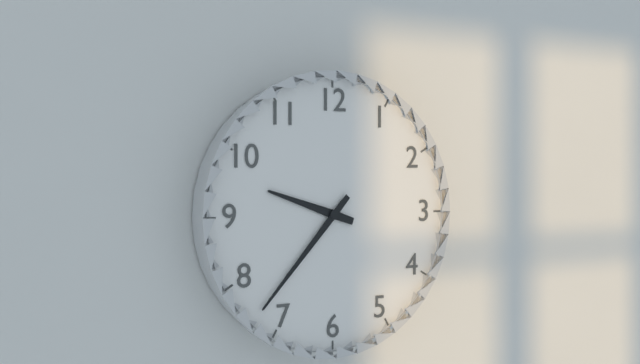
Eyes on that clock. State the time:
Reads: 9:37
